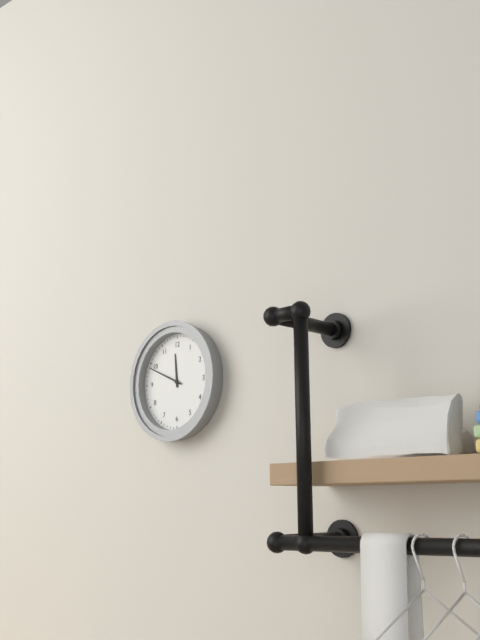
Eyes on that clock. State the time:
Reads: 11:49
